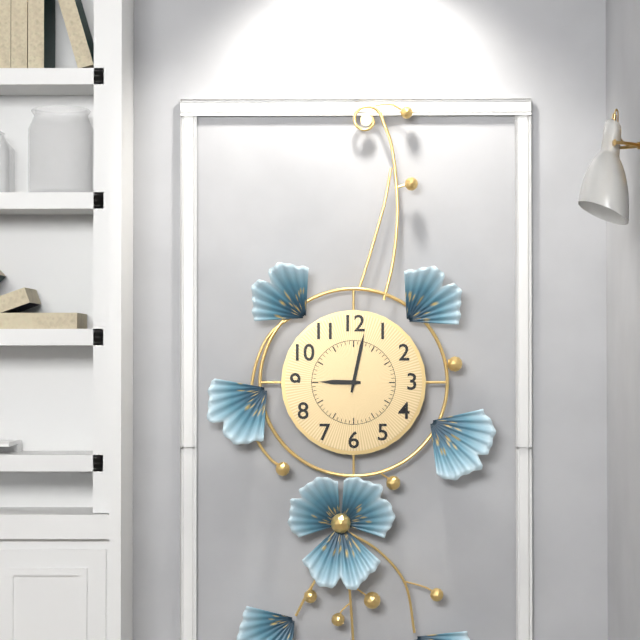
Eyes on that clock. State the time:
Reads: 9:02
